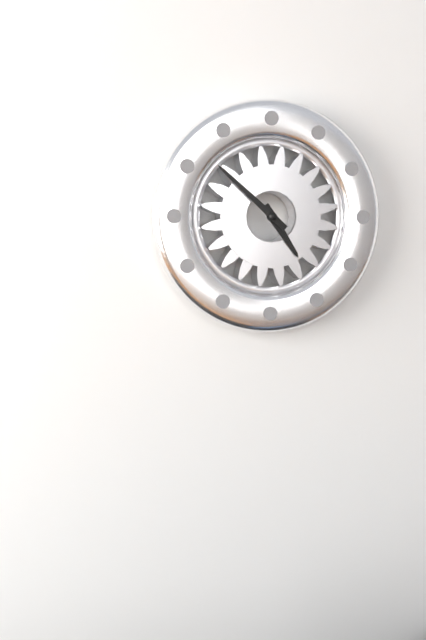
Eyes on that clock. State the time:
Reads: 4:52
